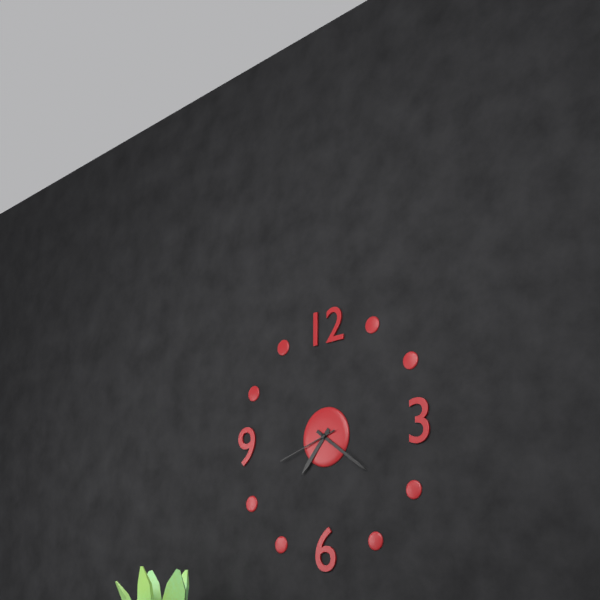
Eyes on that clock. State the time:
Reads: 7:21:42
